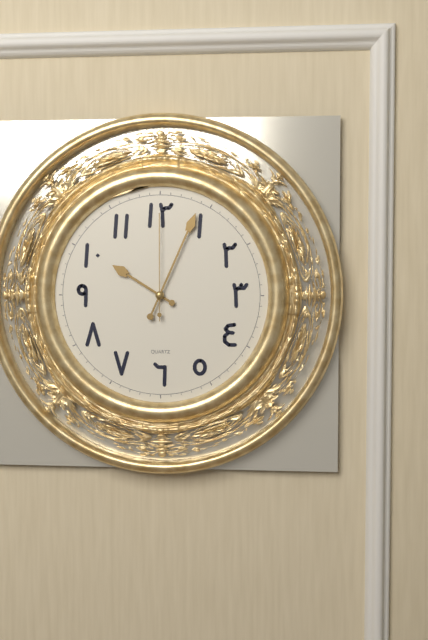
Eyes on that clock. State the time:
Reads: 10:04:00
